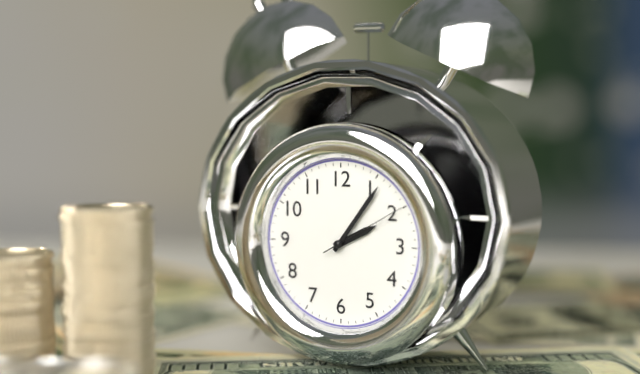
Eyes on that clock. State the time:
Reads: 2:06:10
